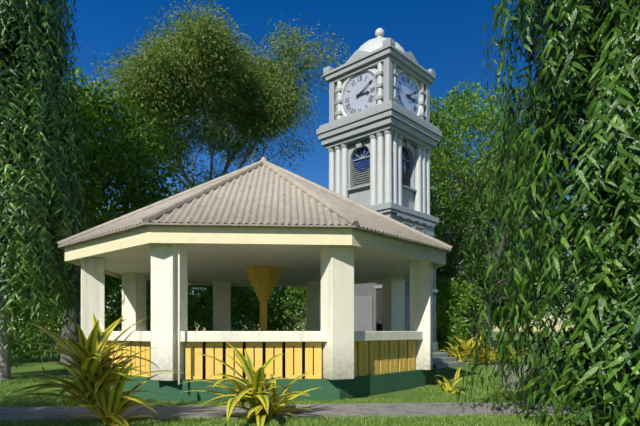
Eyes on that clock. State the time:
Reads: 3:10
